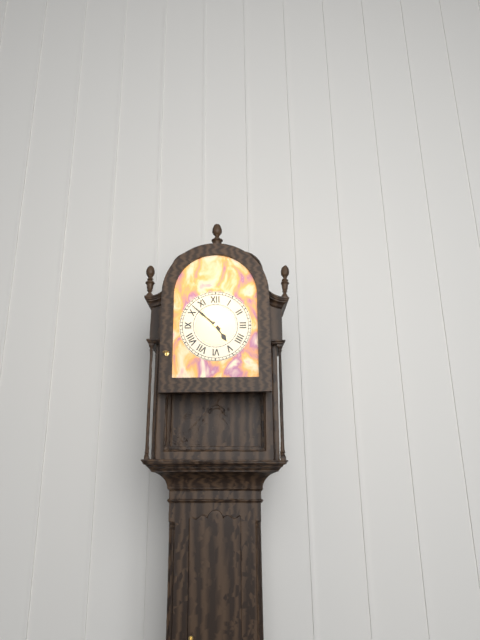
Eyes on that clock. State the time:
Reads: 4:52
